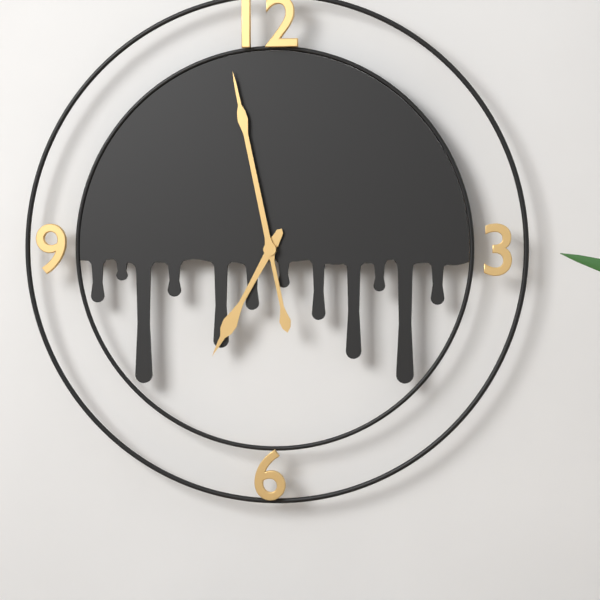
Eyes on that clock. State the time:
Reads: 6:58
